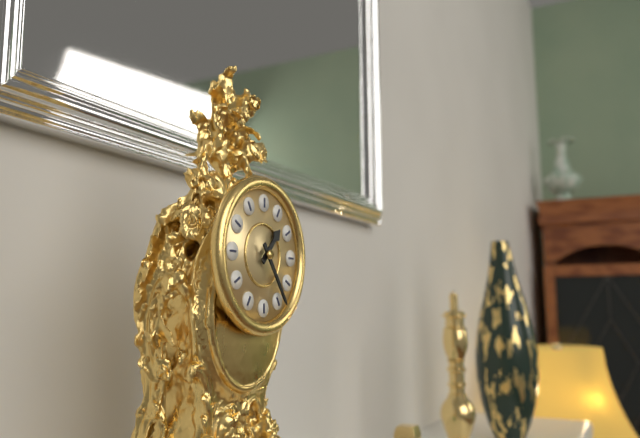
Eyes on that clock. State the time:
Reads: 1:24
